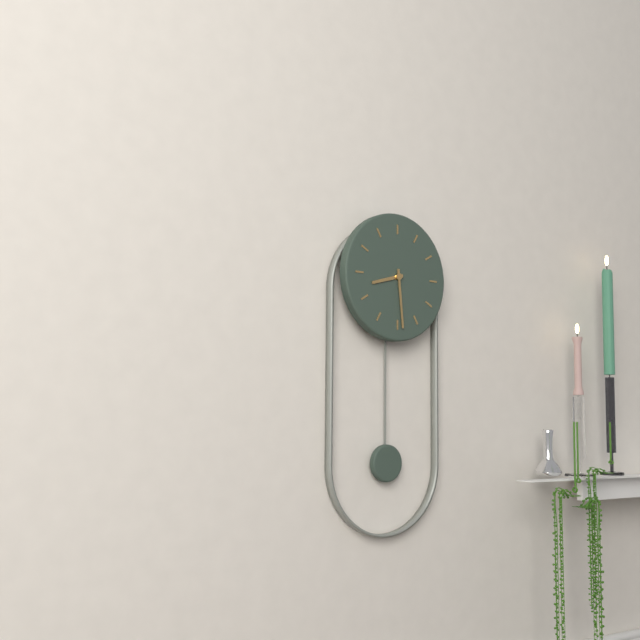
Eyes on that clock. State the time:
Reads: 8:29
